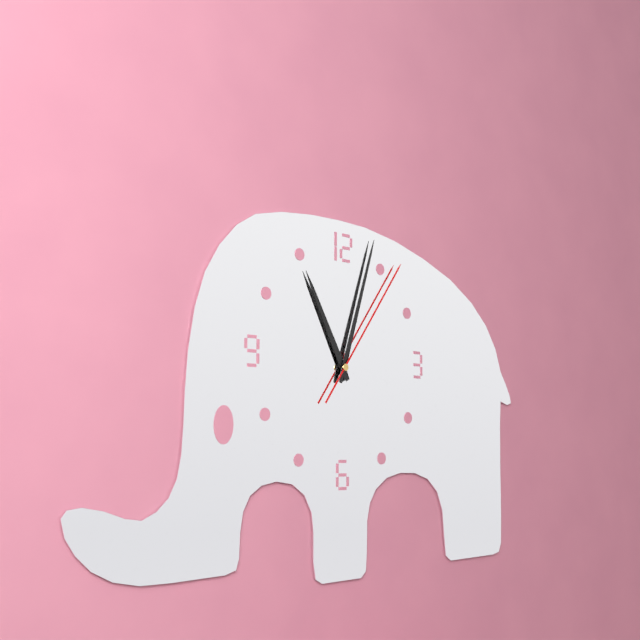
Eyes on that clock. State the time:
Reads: 11:03:06
